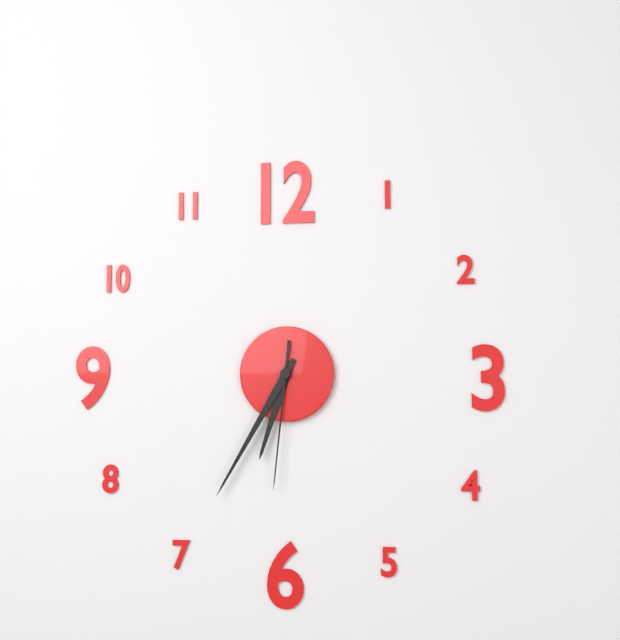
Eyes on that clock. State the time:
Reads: 6:35:31
